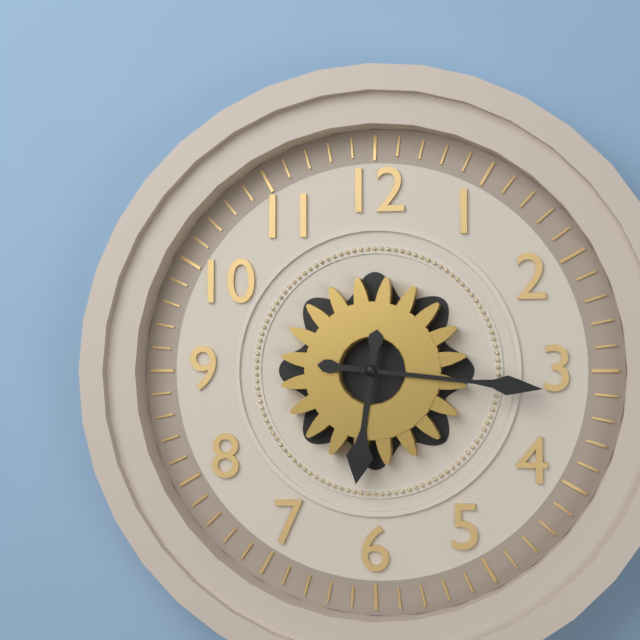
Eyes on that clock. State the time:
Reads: 6:16
